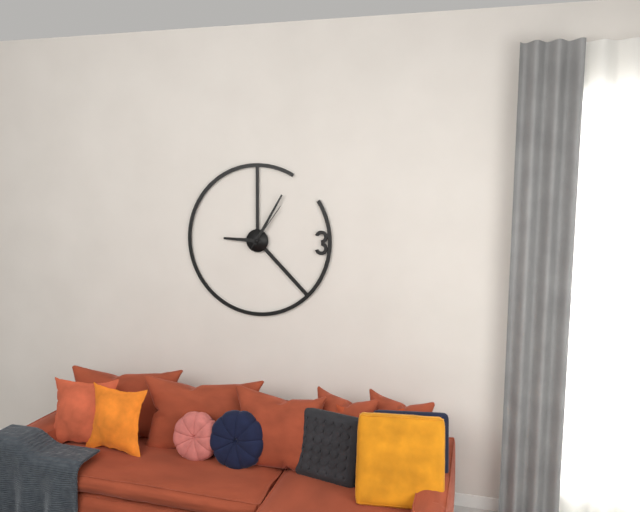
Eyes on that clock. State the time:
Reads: 9:05:06
